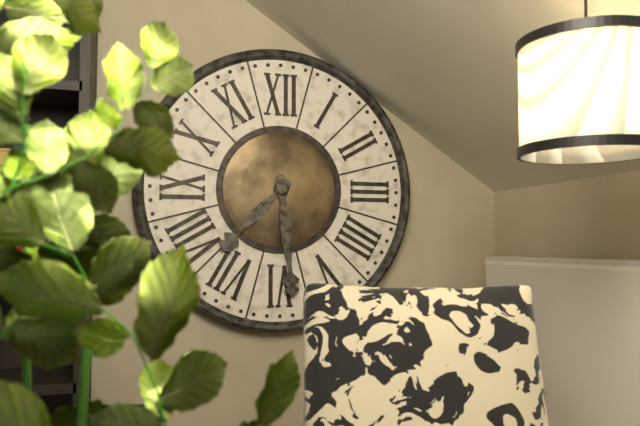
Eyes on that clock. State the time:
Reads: 7:29
